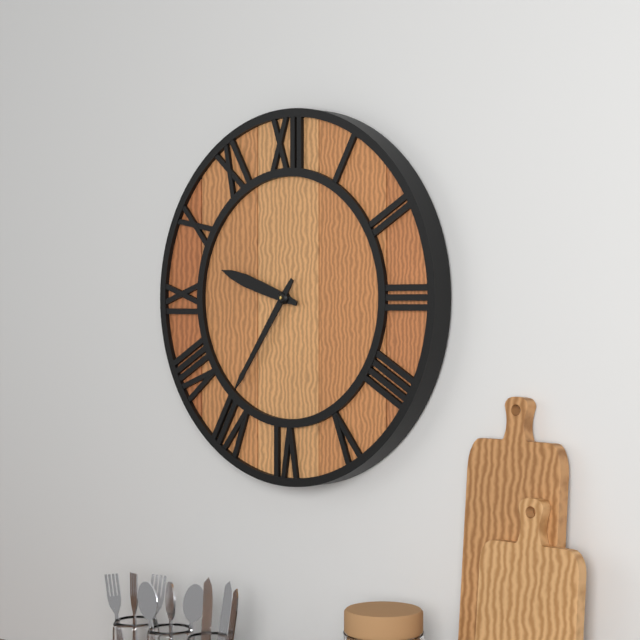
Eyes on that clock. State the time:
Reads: 9:36
